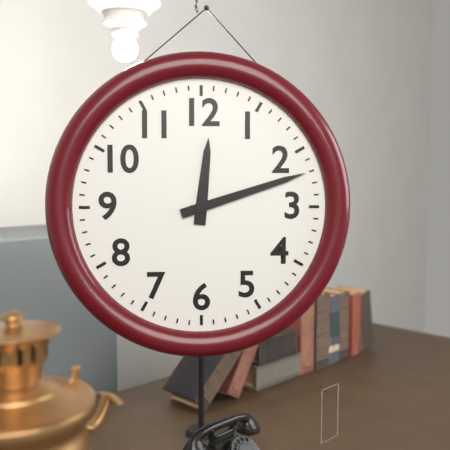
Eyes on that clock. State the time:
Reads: 12:12
